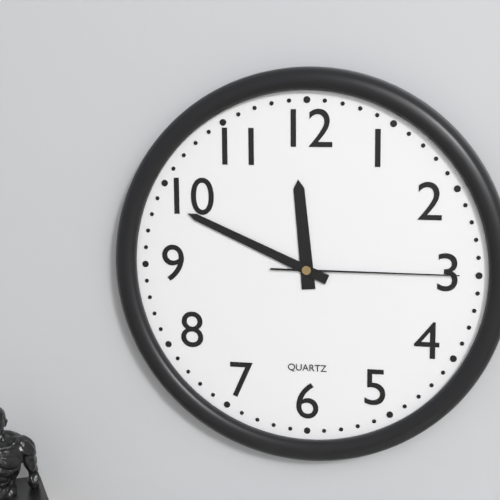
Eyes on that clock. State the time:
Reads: 11:49:15
